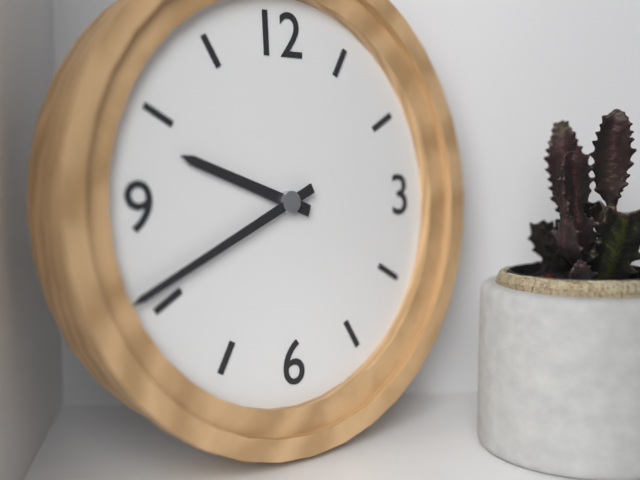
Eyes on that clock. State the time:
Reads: 9:41
